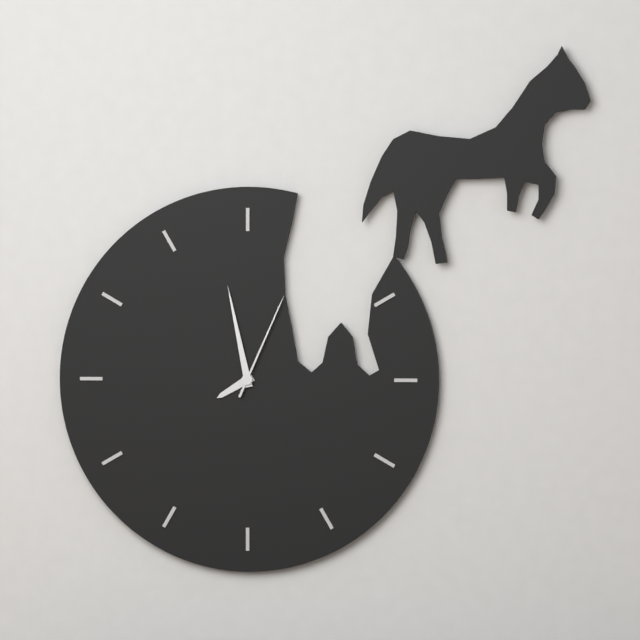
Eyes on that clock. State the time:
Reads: 7:58:04
